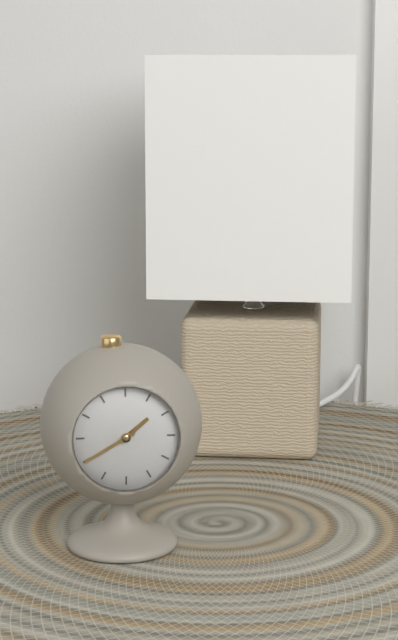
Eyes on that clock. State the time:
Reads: 1:40
